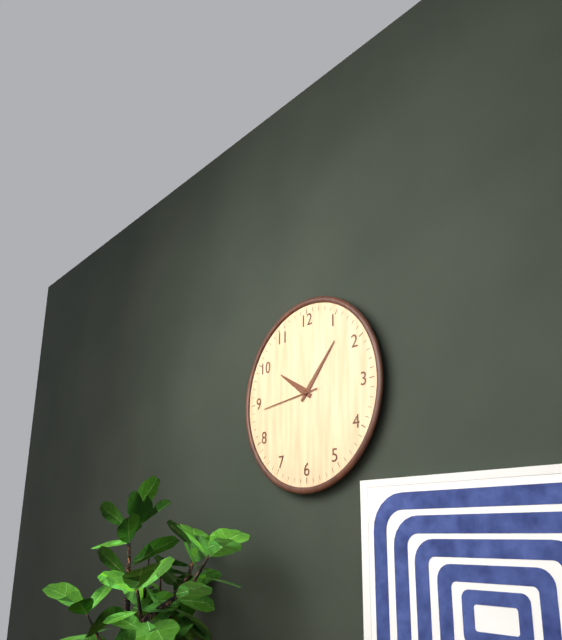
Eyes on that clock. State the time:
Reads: 10:07:44
